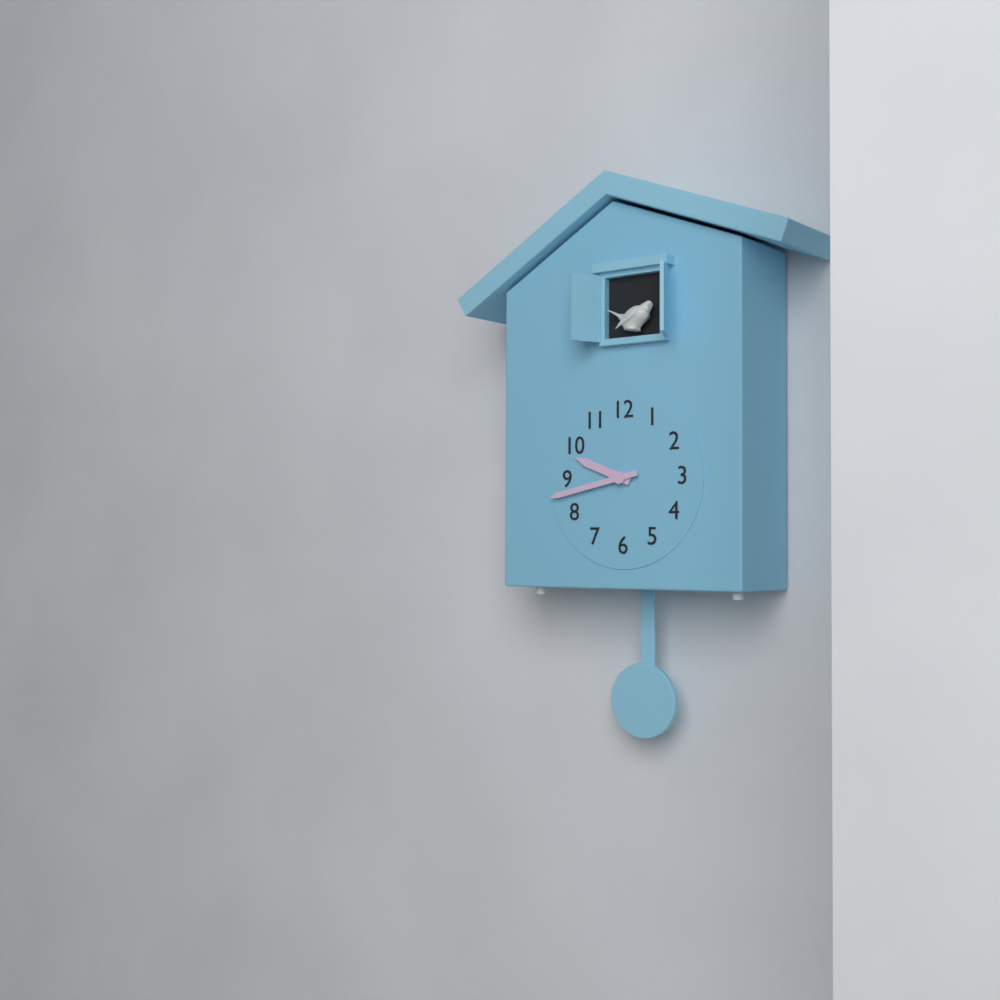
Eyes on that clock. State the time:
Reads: 9:43
